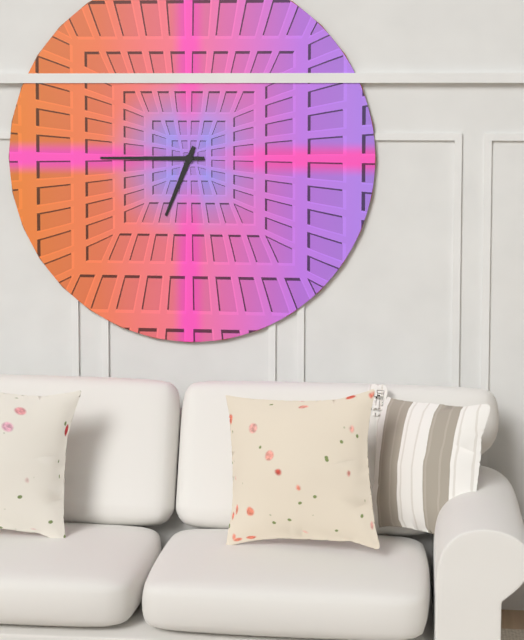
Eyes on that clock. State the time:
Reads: 6:45
